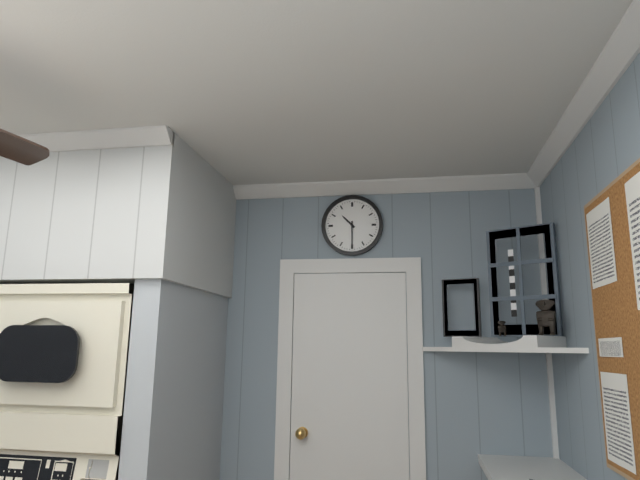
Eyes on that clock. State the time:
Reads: 10:30
